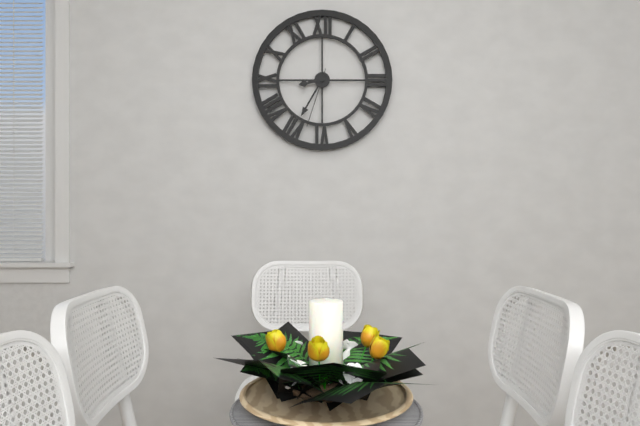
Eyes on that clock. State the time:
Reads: 8:35:33
